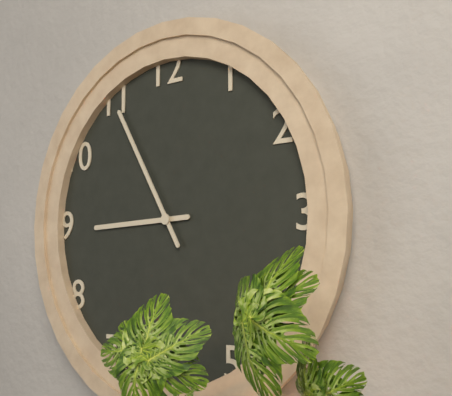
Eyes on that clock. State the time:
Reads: 8:55
